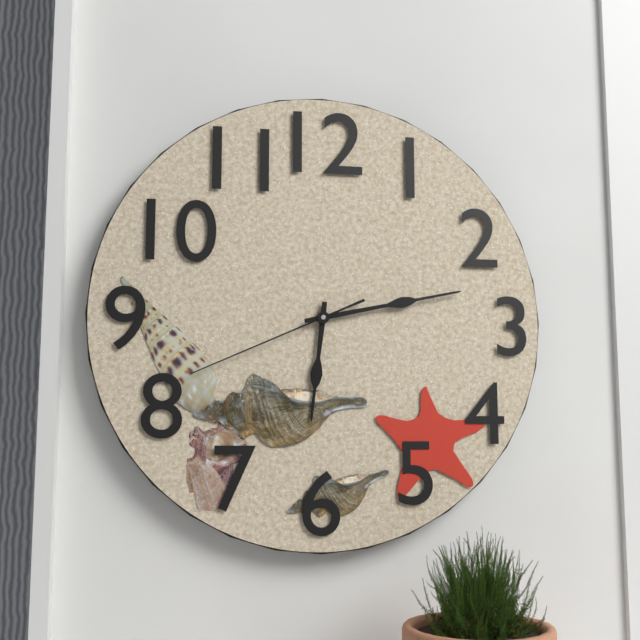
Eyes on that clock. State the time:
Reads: 6:13:41
